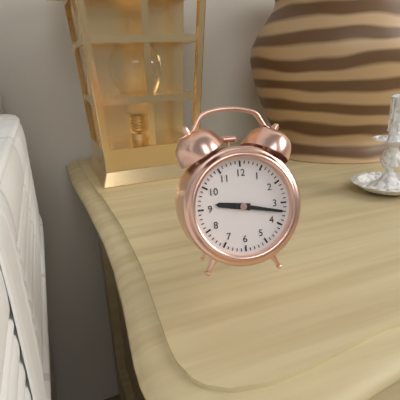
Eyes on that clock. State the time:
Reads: 9:17
